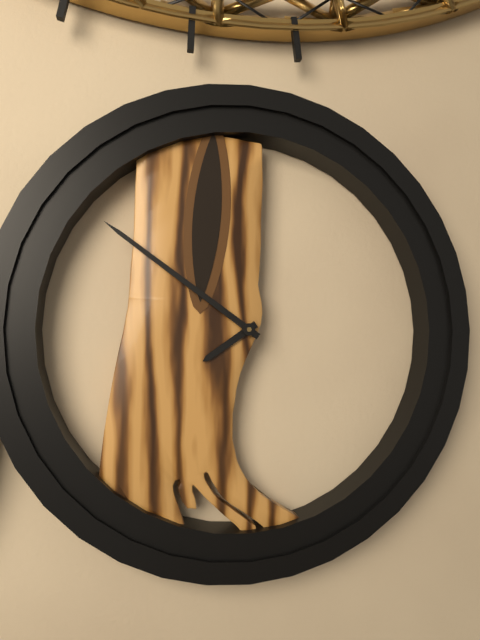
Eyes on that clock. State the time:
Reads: 7:51
